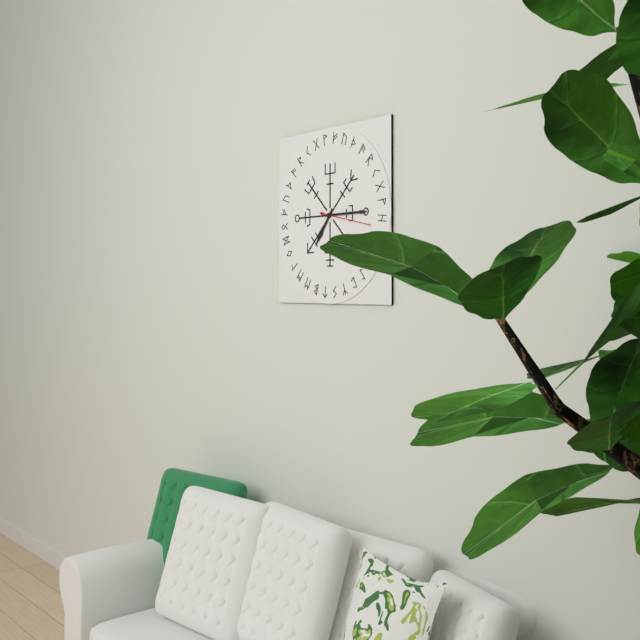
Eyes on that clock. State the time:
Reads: 7:15
